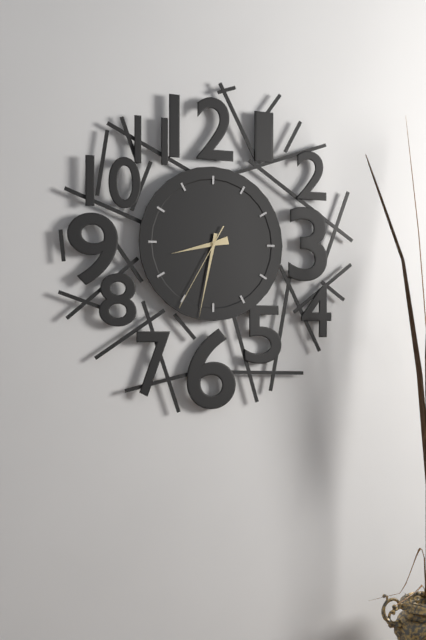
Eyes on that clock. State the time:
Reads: 8:32:35
